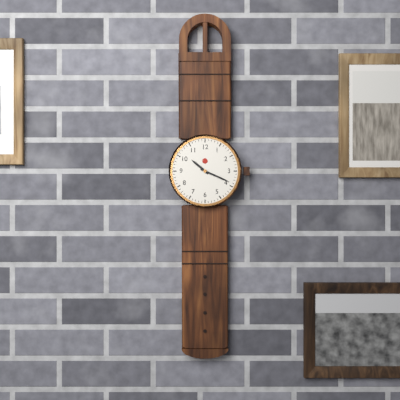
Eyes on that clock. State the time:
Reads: 10:19
